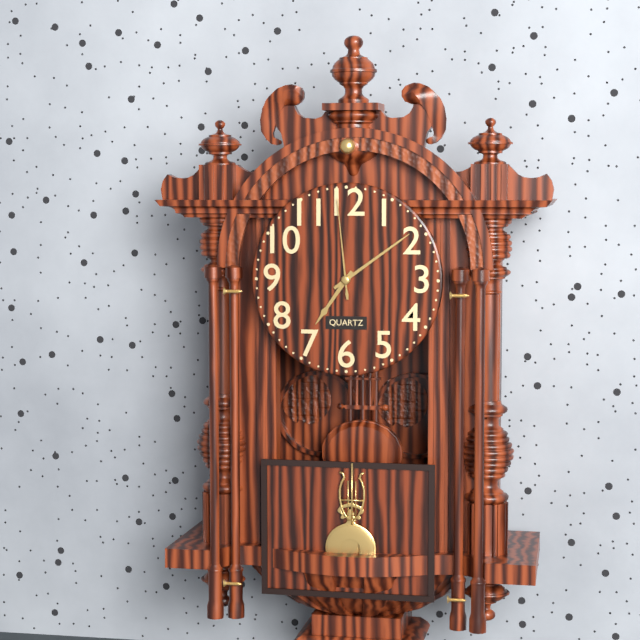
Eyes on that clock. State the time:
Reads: 7:09:59
